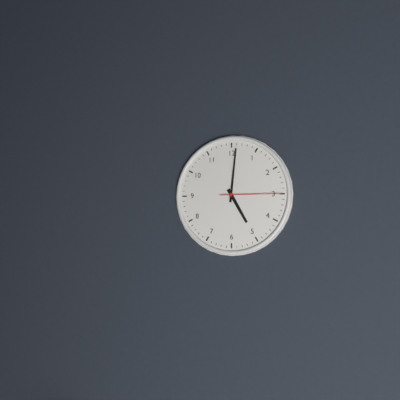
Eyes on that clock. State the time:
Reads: 5:01:15
